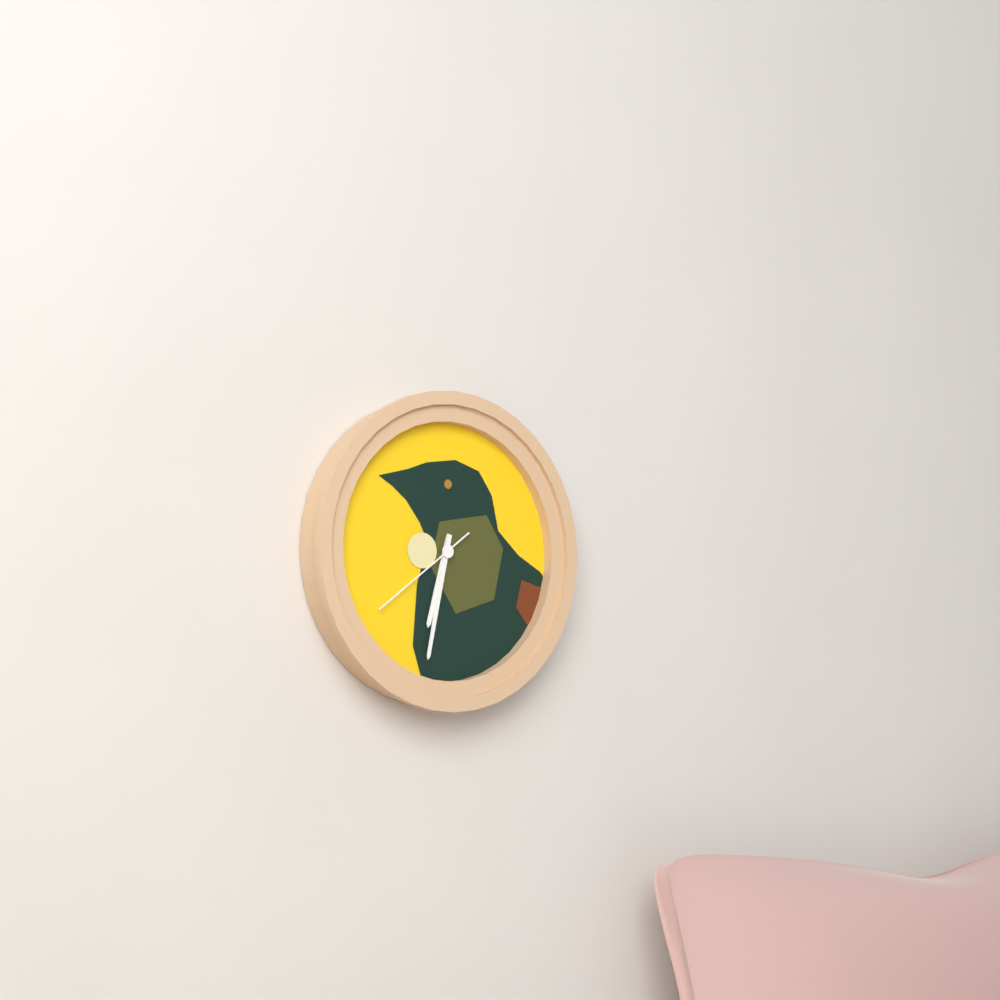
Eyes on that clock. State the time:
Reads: 6:32:39
